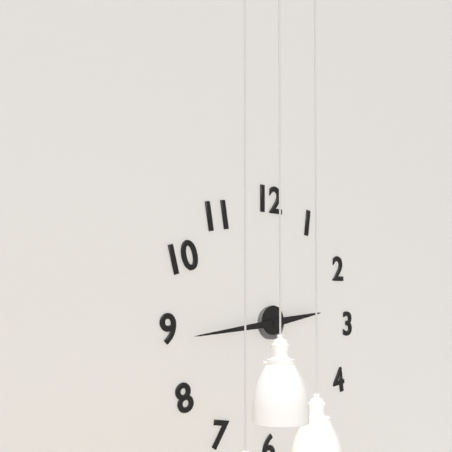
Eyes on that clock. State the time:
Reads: 2:44
